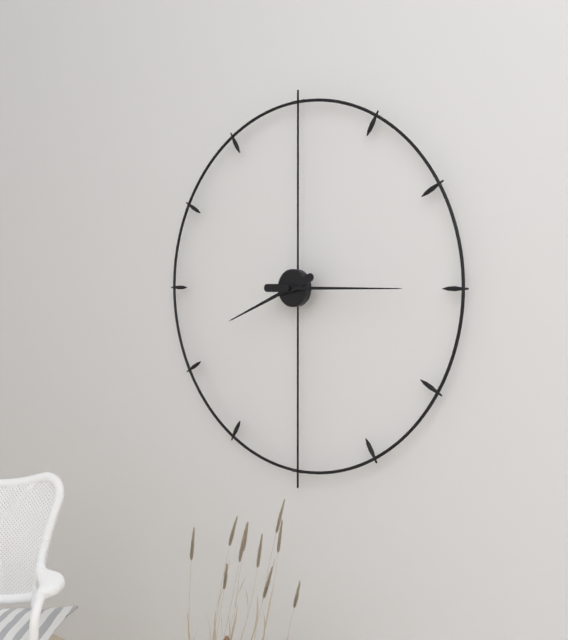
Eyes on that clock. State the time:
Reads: 8:15
